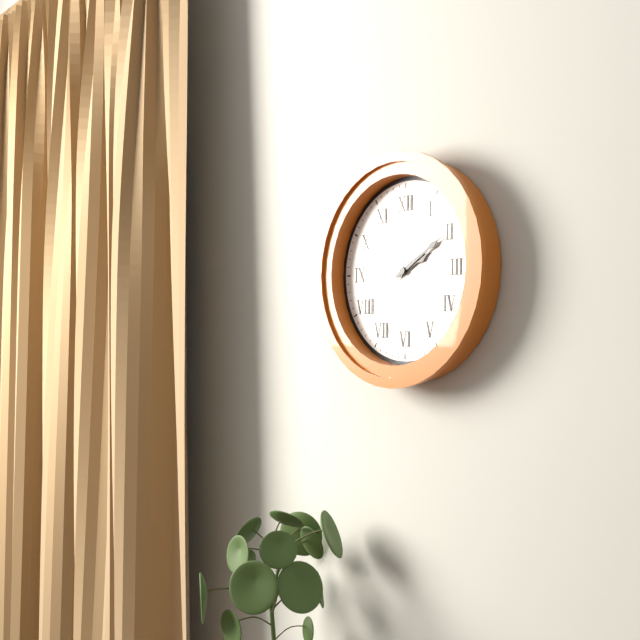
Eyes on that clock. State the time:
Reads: 2:10:33
